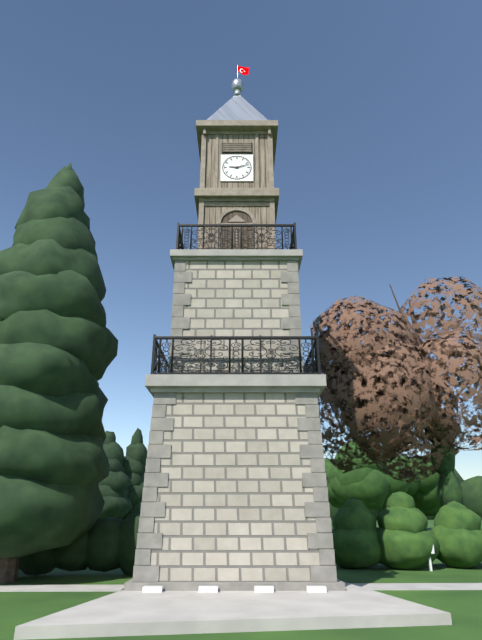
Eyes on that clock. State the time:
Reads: 9:12
